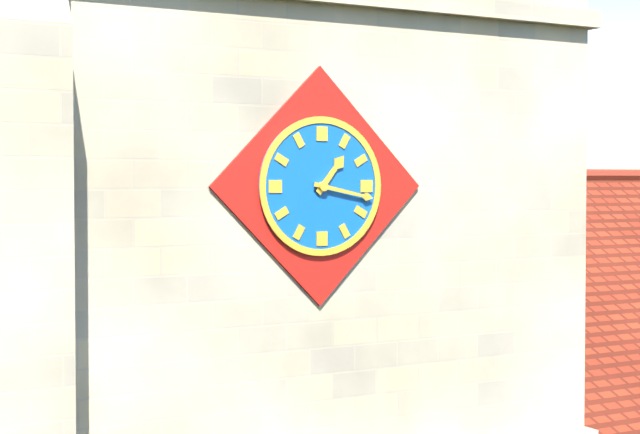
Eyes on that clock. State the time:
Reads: 1:17
